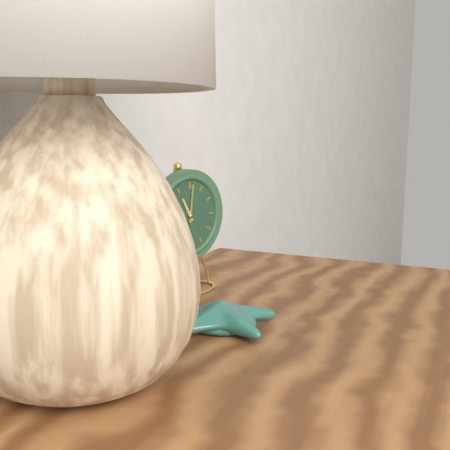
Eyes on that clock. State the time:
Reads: 11:01
